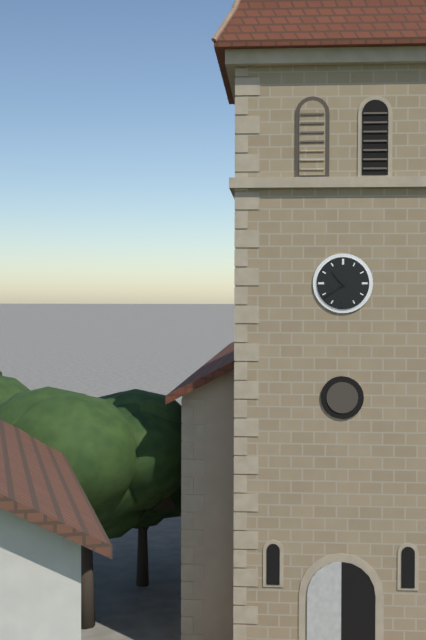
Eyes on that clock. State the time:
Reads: 10:39
